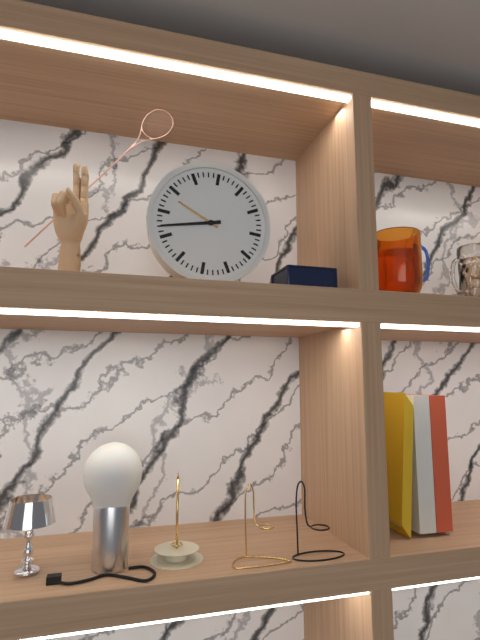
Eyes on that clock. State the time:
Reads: 9:42
